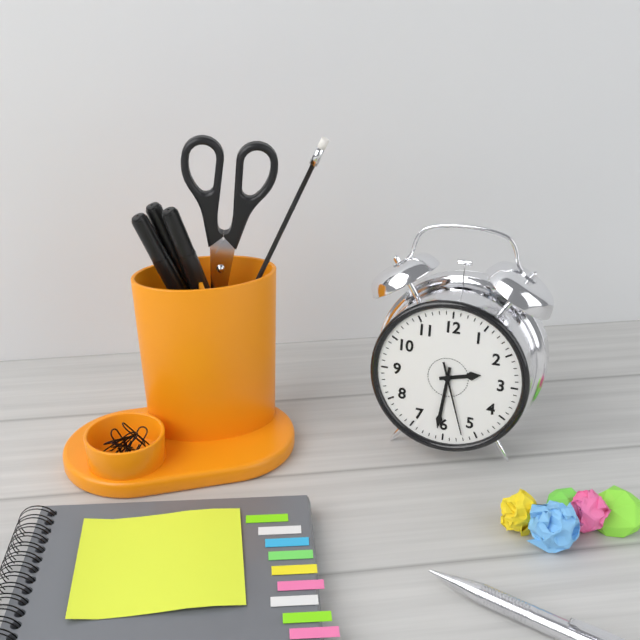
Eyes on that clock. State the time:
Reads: 2:31:27
